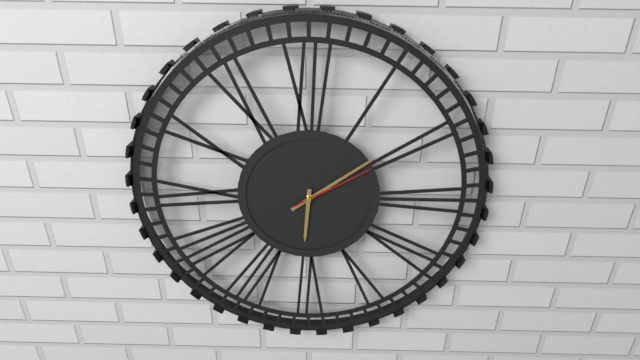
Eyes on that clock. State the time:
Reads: 6:09:10
